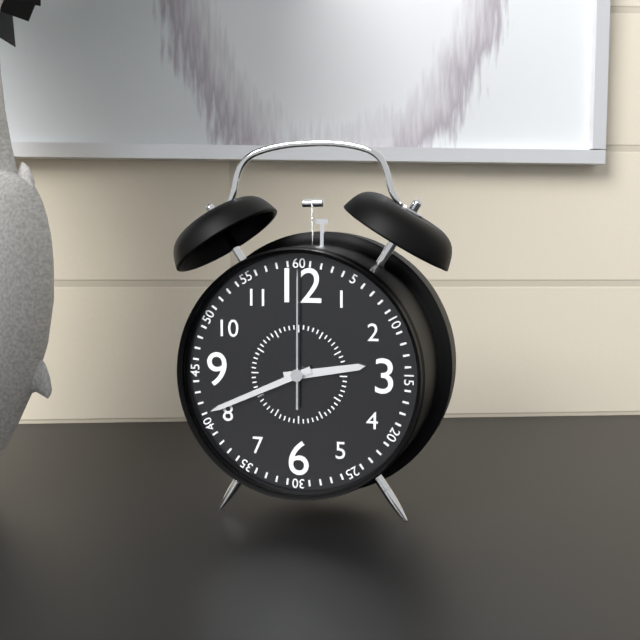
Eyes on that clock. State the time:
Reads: 2:41:00
